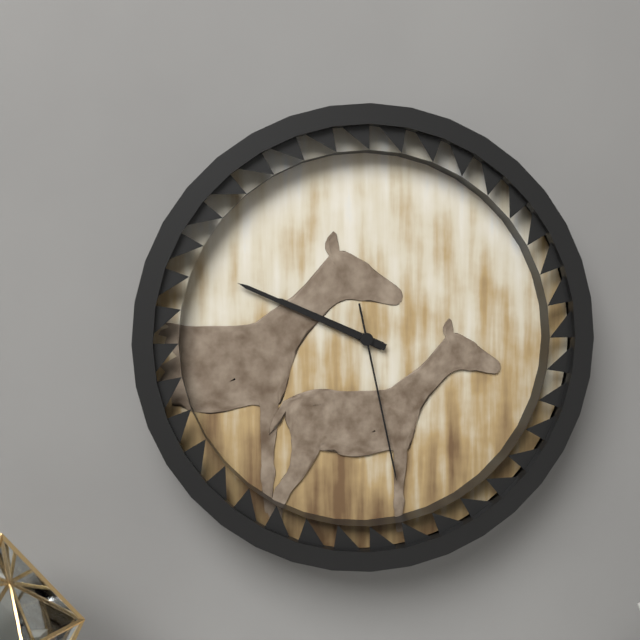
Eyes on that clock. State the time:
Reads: 9:49:28
